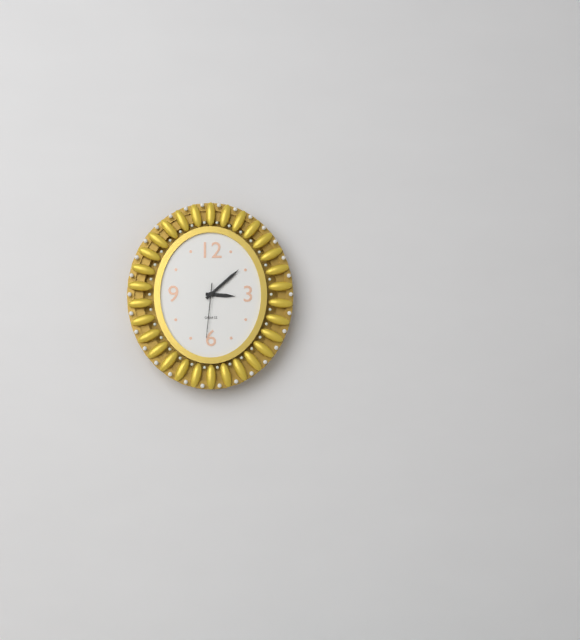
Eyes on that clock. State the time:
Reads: 3:08:31
